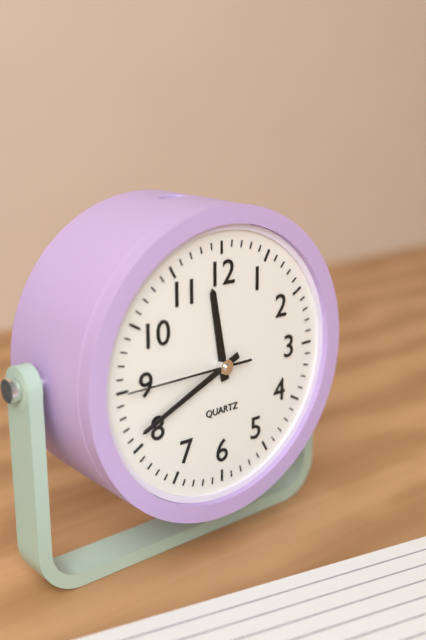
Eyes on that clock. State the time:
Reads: 11:41:45
